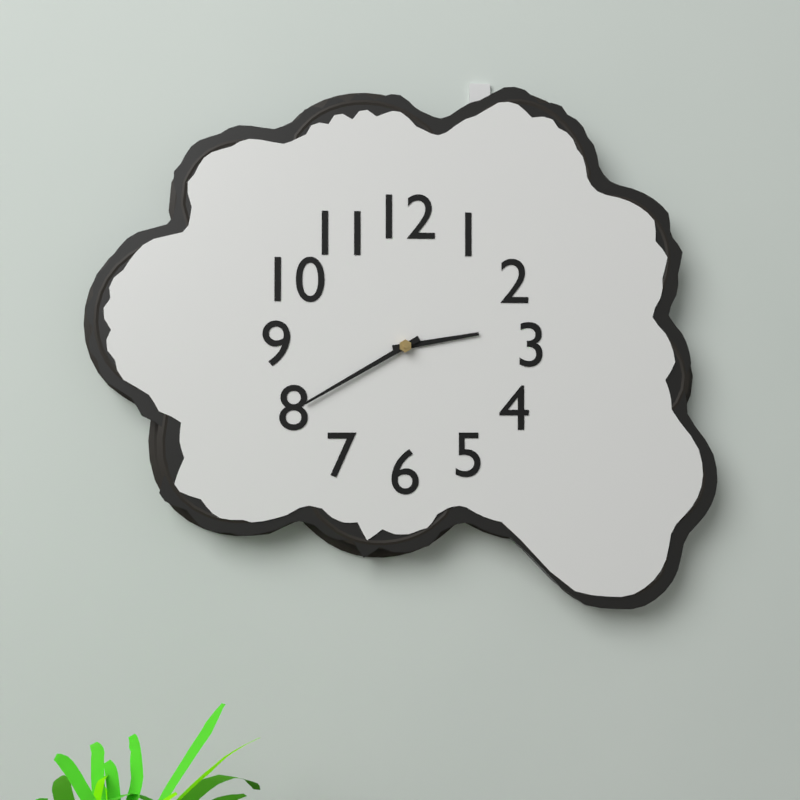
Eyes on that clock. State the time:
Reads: 2:40
